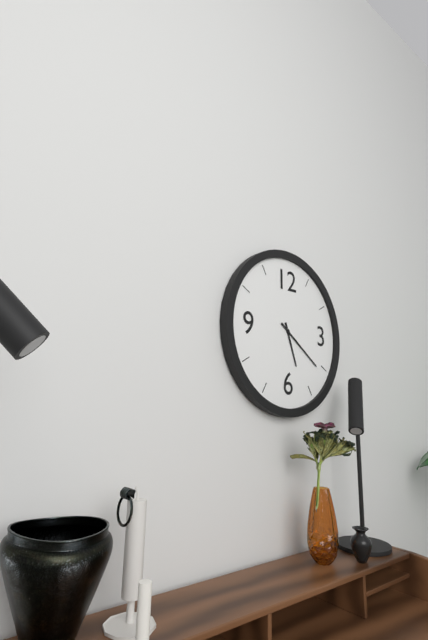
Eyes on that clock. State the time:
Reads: 5:21
